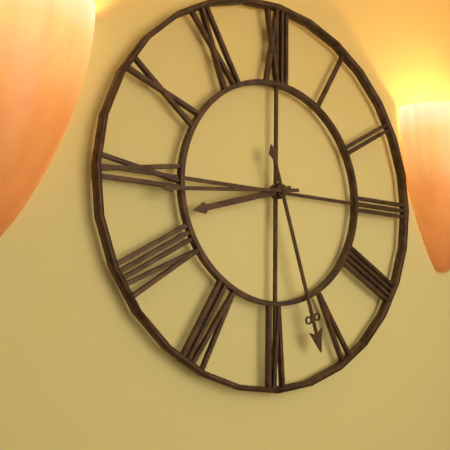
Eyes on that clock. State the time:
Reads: 8:27:44
